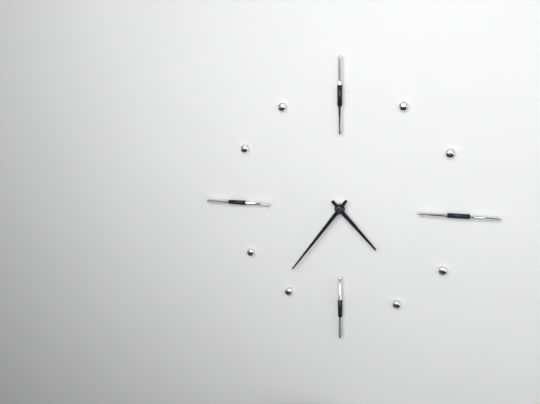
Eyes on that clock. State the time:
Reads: 4:36
